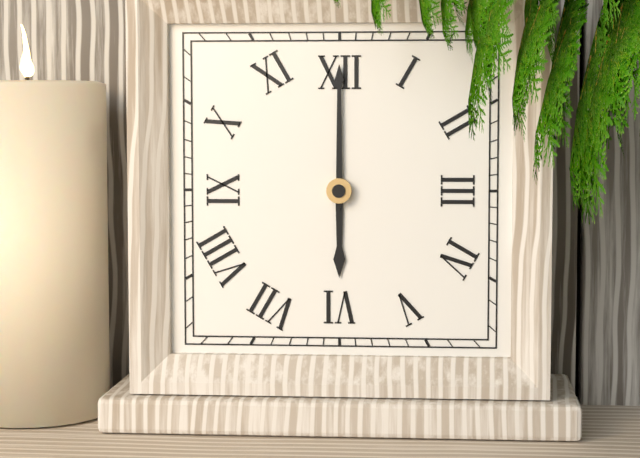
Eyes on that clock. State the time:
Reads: 6:00
